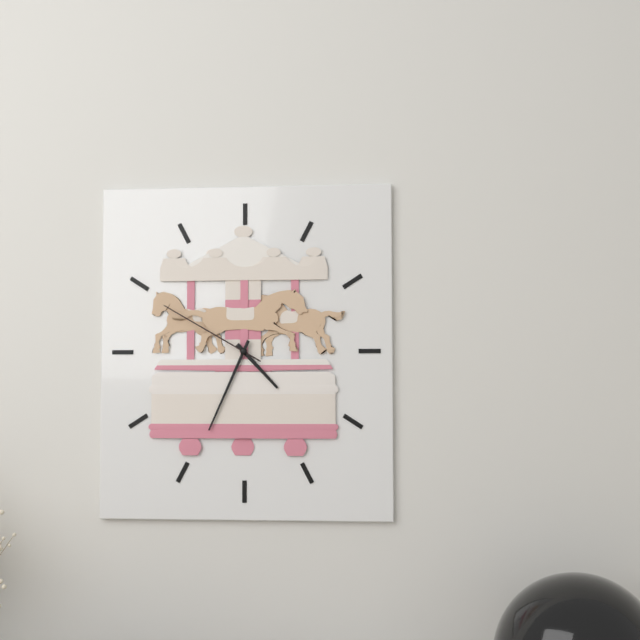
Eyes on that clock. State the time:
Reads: 4:34:50
